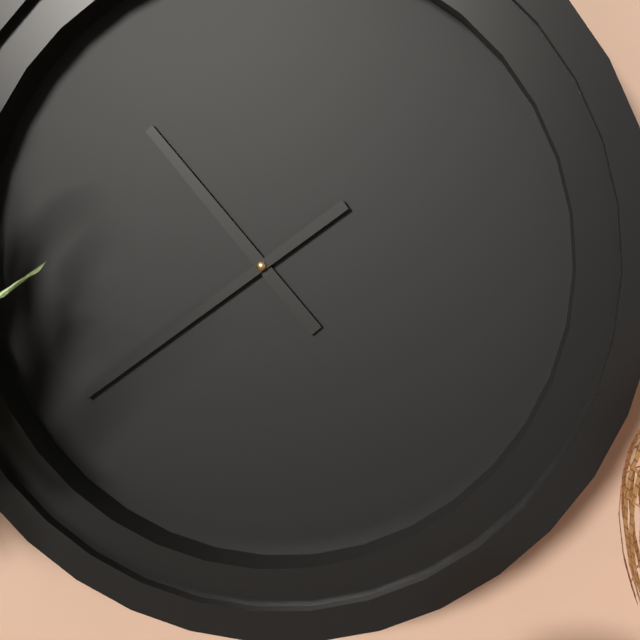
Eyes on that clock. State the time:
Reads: 10:39
